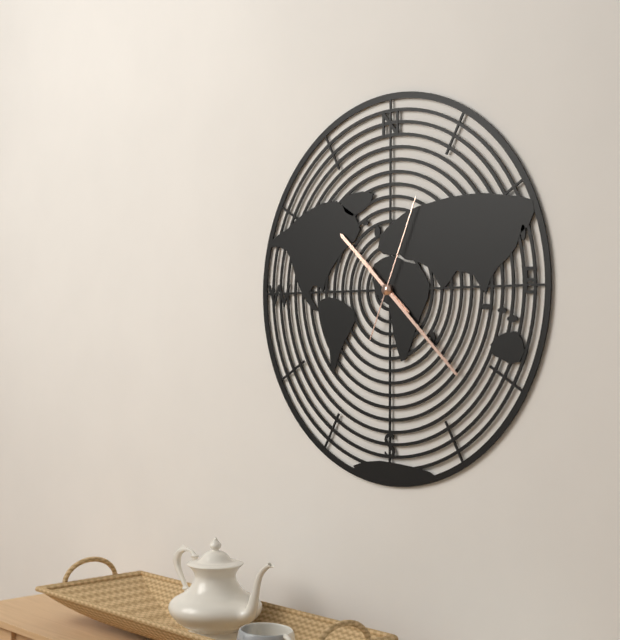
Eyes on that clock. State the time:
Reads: 10:22:04
